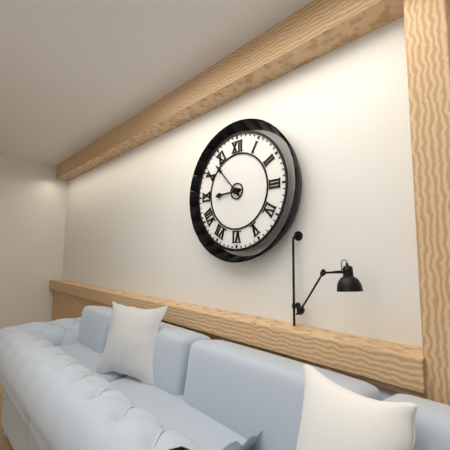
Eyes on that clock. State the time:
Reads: 8:53
